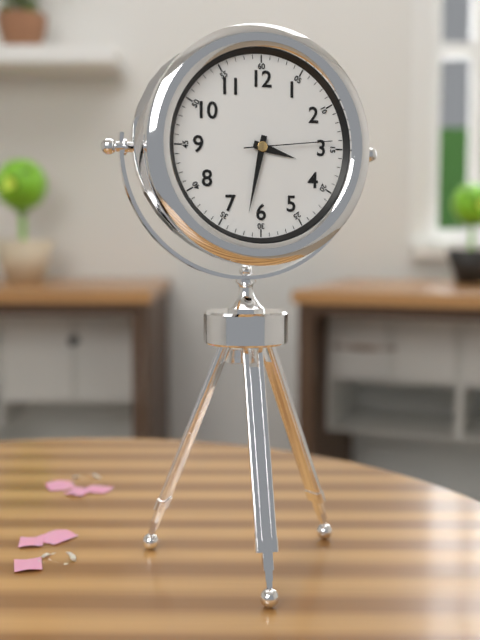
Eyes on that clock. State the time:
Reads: 3:32:14
